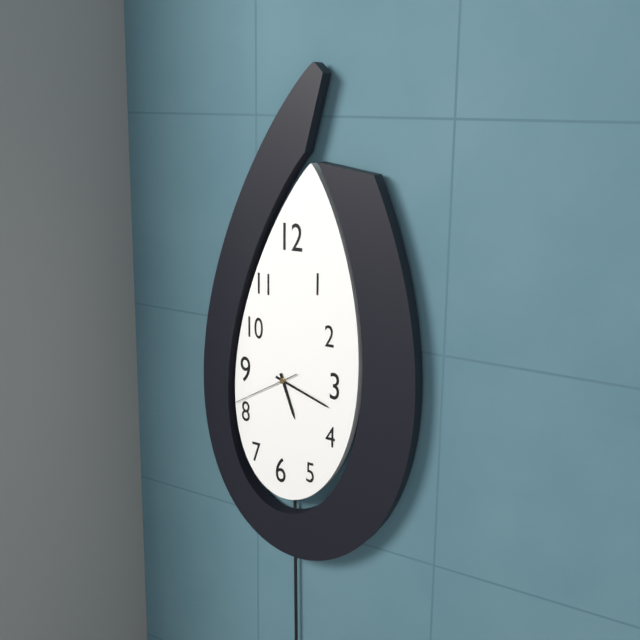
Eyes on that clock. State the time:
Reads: 5:18:40
